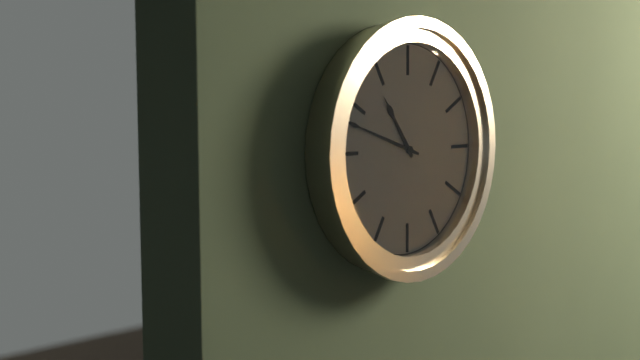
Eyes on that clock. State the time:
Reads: 10:48
